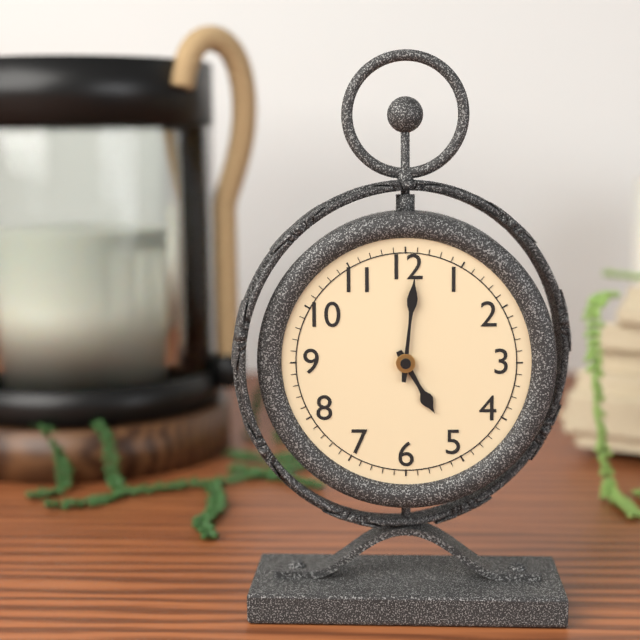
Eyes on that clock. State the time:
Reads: 5:01
